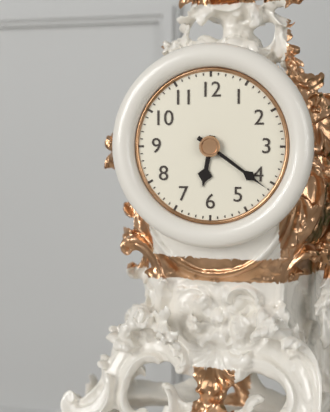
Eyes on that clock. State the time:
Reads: 6:21
